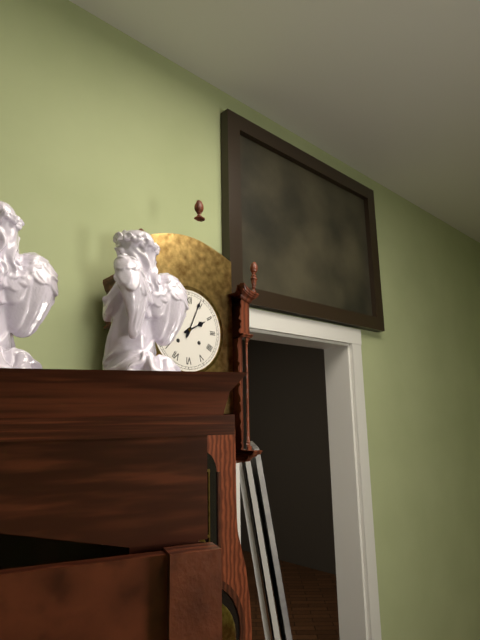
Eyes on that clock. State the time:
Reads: 2:04
